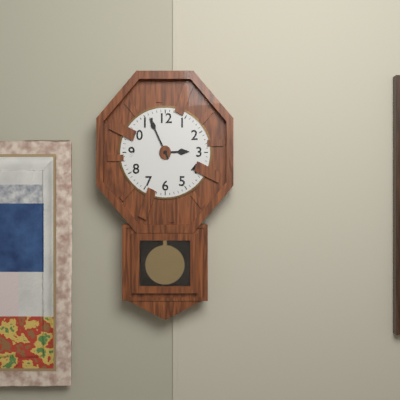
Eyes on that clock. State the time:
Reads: 2:56
